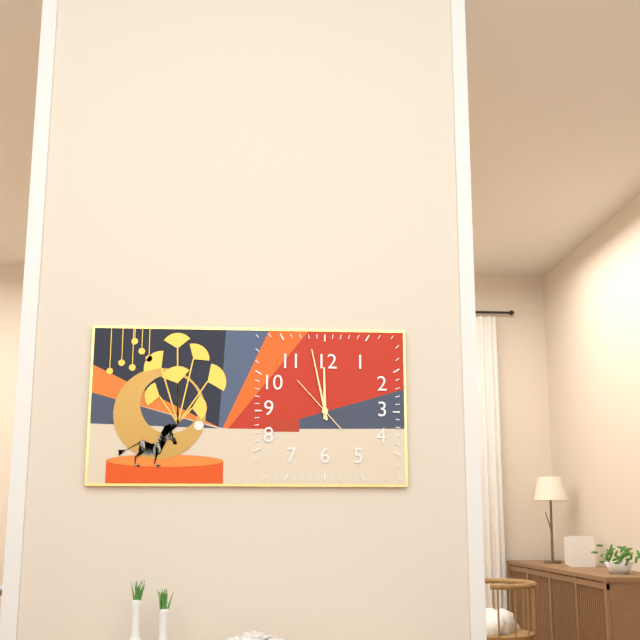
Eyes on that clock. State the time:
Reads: 11:58:53
